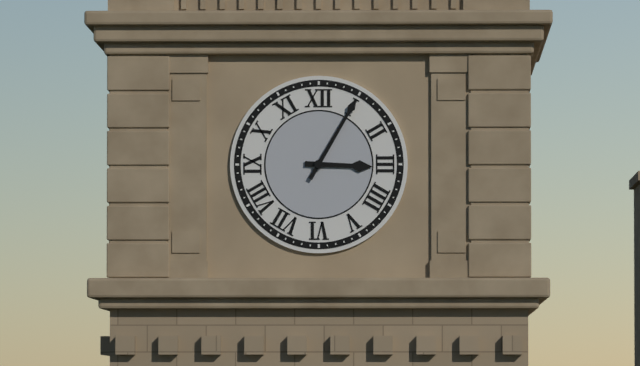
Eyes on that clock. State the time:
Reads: 3:05
